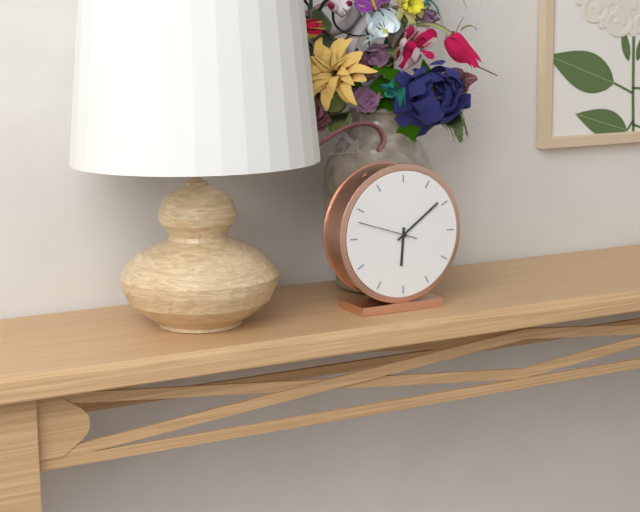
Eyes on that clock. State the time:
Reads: 6:09:48
